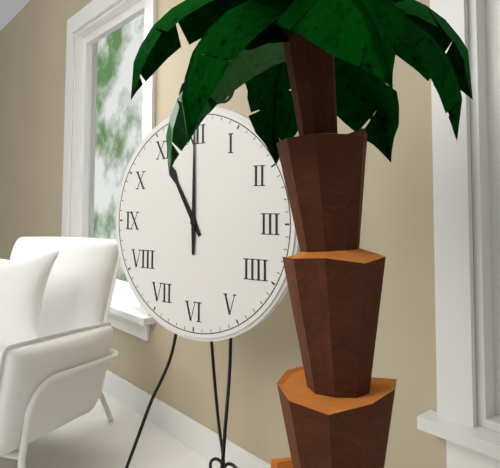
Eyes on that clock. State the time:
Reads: 11:00
